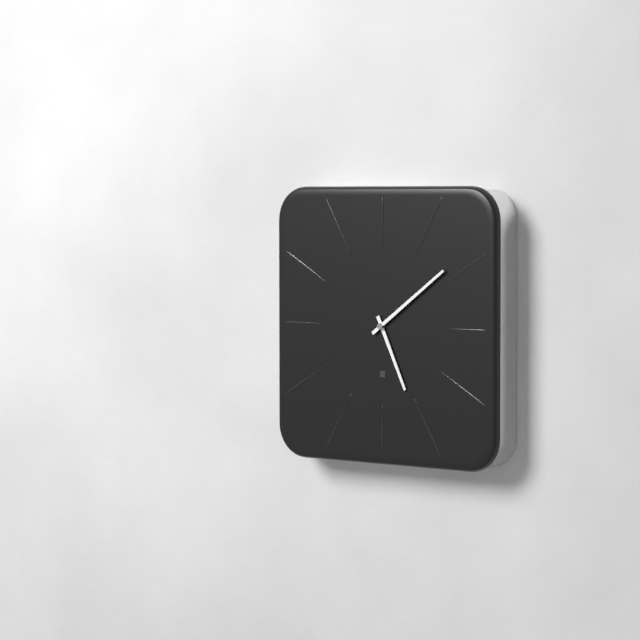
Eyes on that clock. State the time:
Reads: 5:09
